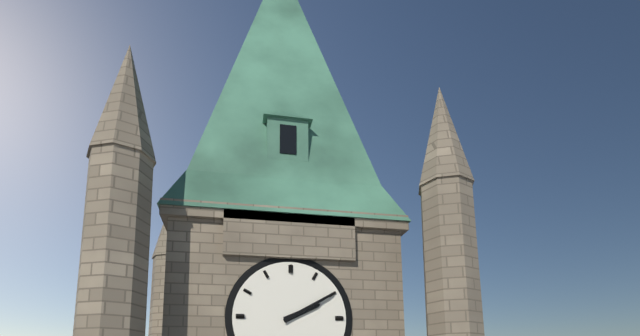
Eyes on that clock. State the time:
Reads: 2:10
